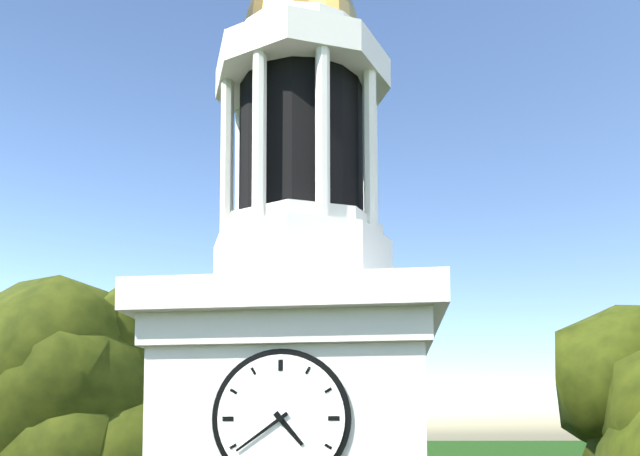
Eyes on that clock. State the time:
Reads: 4:39
